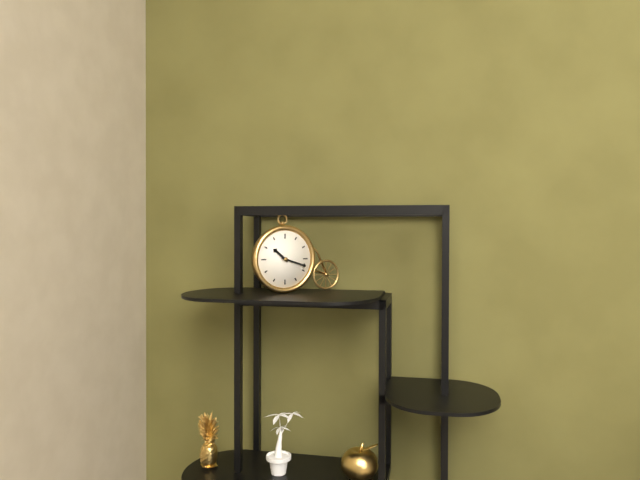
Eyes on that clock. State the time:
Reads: 10:18
